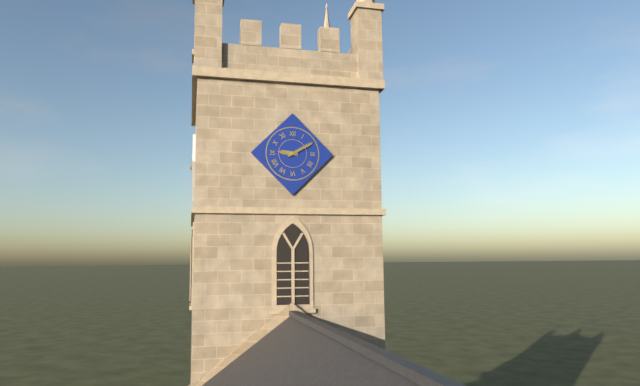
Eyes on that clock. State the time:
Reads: 9:10
